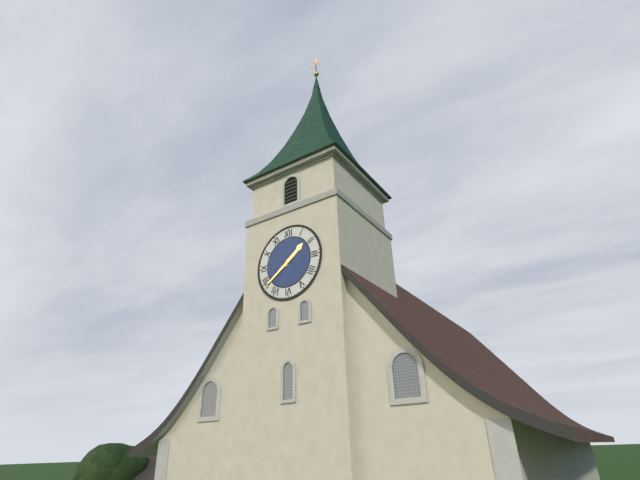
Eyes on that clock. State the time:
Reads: 1:39
